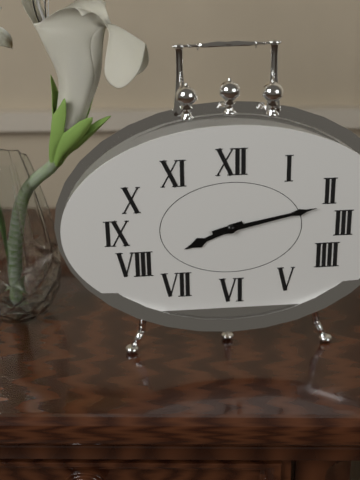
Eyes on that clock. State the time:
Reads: 8:13
